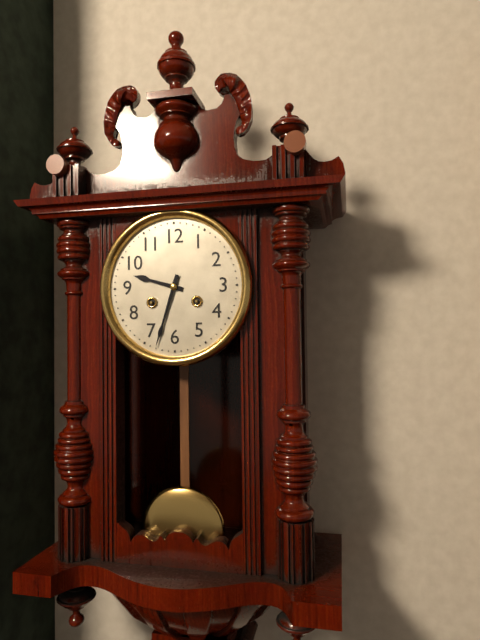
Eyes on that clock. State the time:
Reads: 9:33
